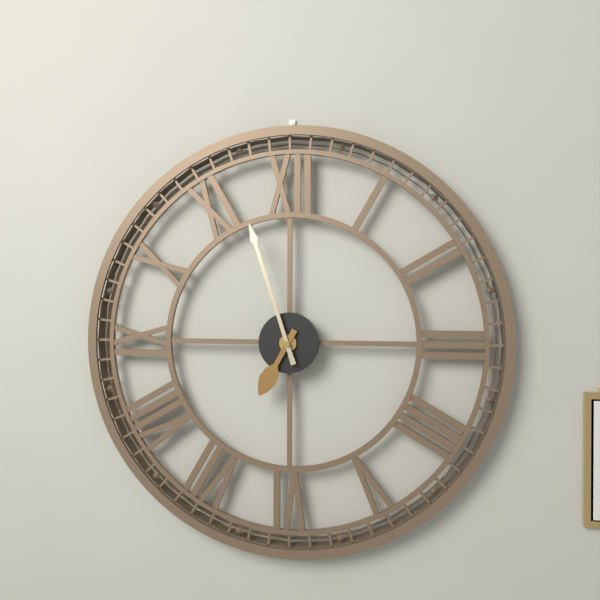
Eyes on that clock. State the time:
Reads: 6:57
